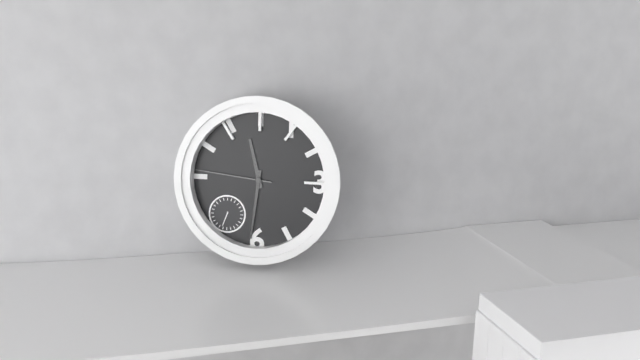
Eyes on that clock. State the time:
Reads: 11:31:46
